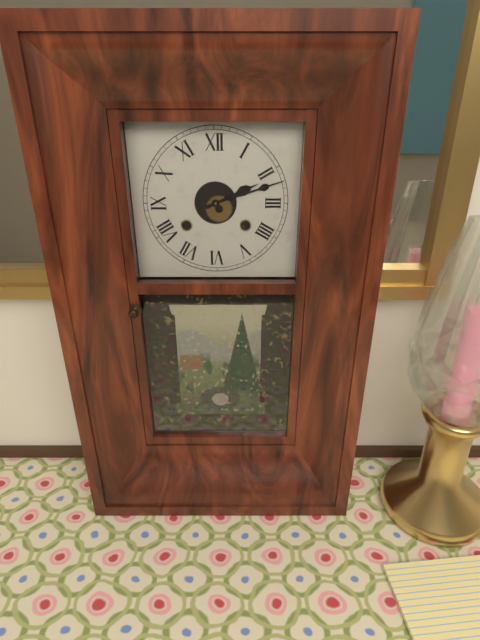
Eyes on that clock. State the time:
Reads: 2:12
